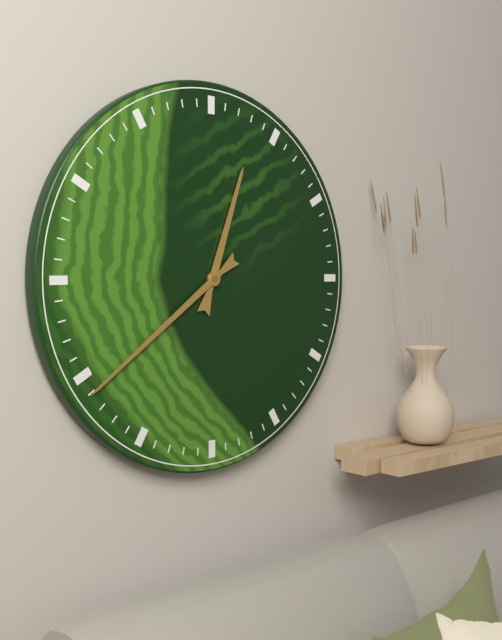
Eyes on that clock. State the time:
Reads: 12:39
